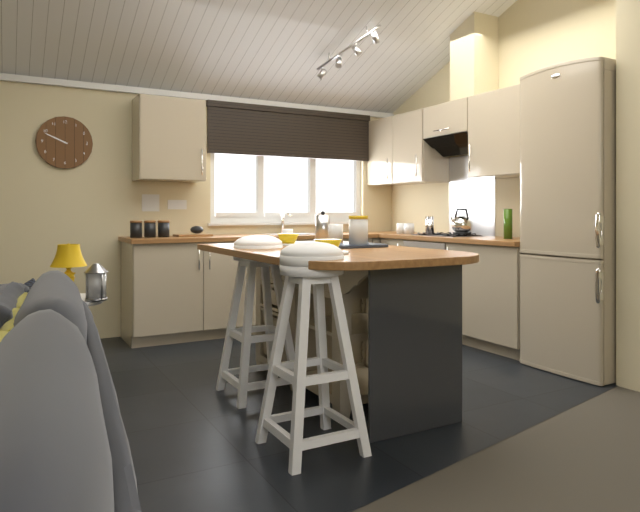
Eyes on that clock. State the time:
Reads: 9:49
